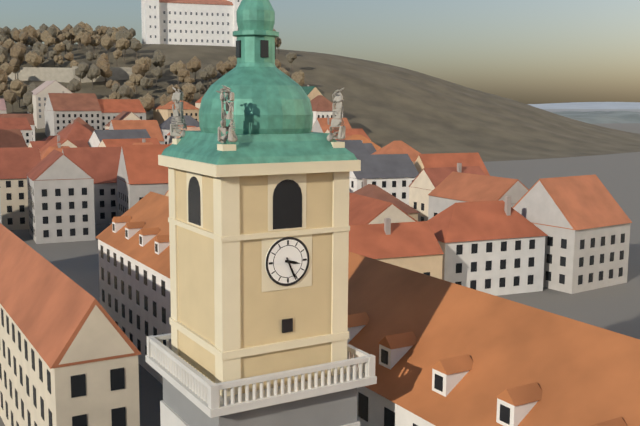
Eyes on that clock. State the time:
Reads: 3:26
